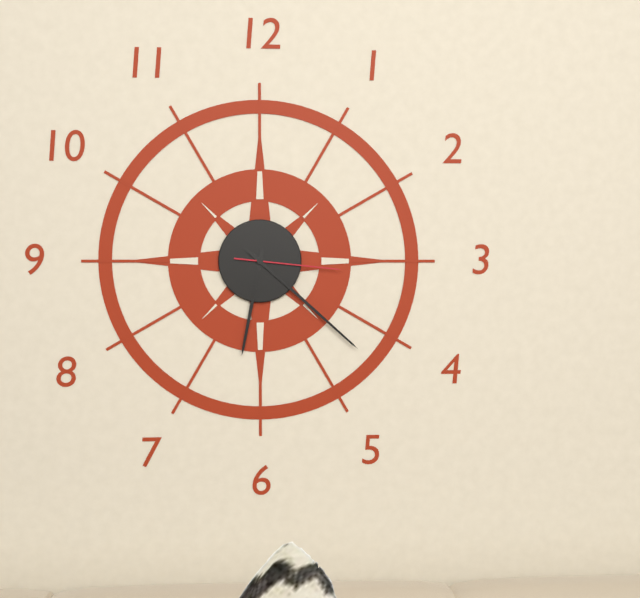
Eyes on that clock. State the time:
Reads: 6:22:16
